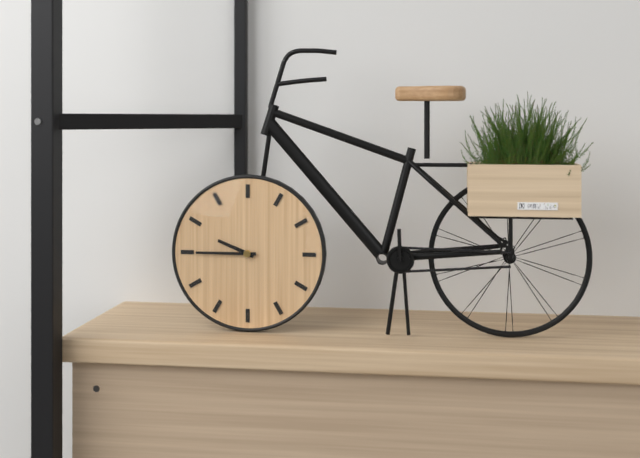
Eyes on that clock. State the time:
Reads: 9:45
